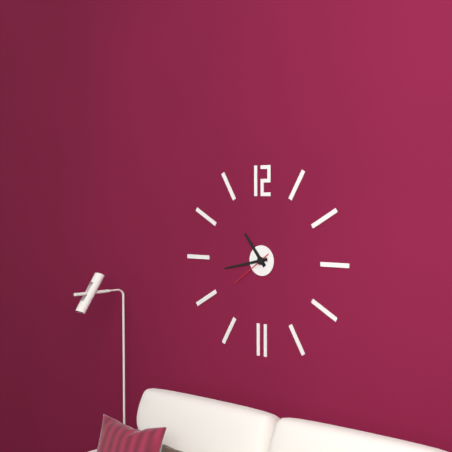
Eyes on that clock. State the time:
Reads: 10:43
